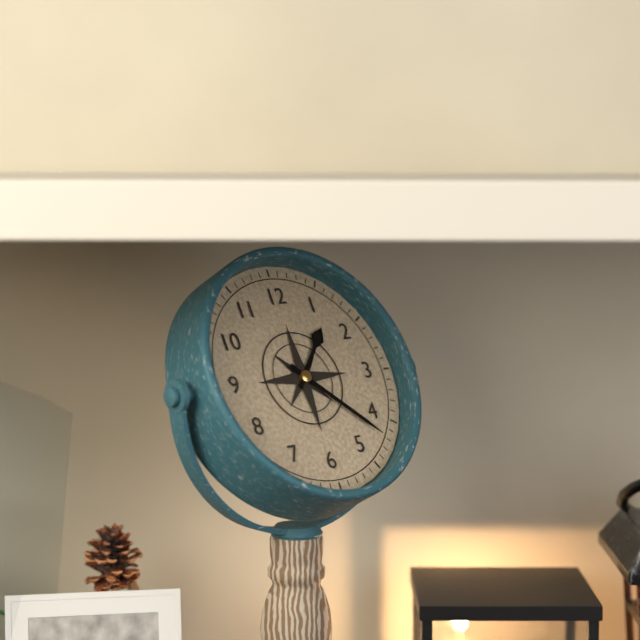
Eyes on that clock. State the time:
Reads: 1:22
